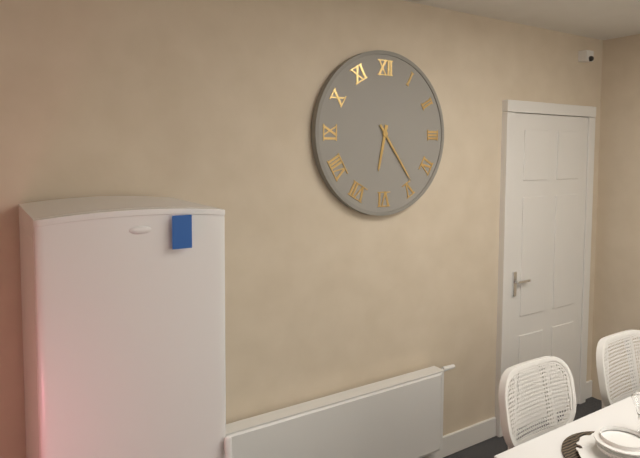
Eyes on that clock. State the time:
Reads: 6:24
